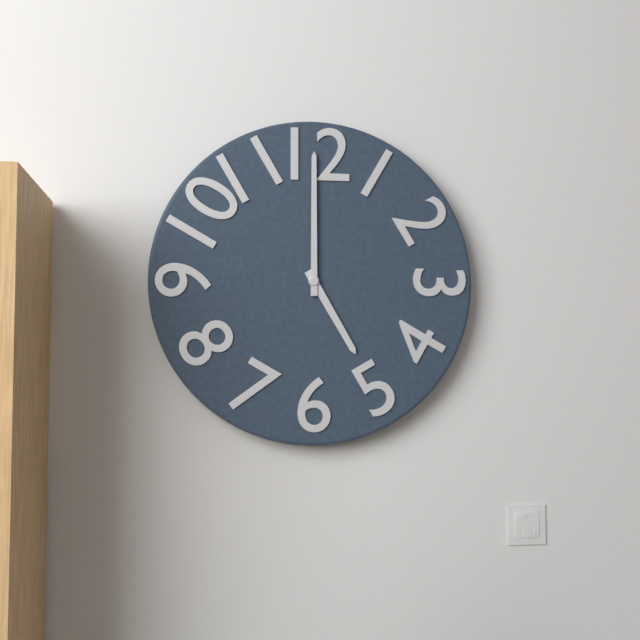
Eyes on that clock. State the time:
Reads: 5:00
